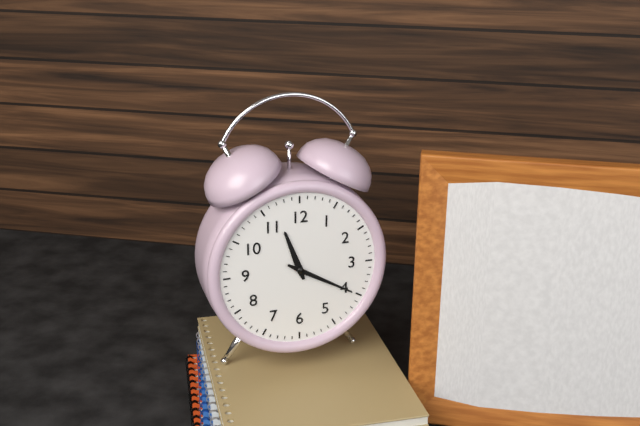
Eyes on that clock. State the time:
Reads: 11:20
